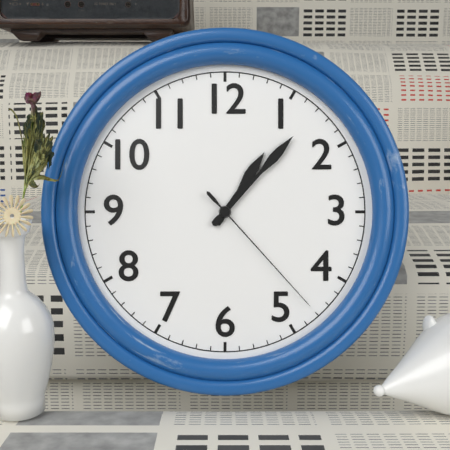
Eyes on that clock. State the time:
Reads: 1:07:23
